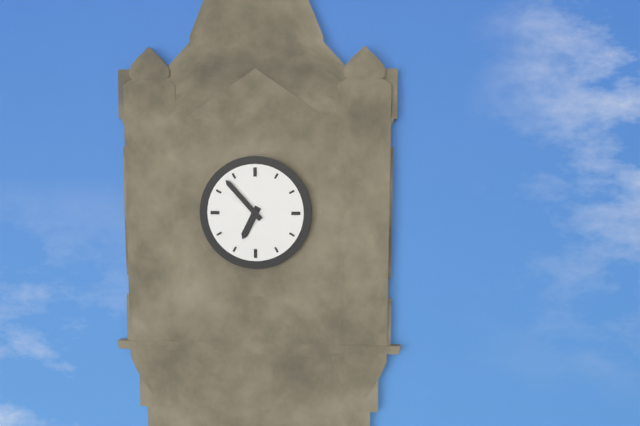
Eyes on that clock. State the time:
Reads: 6:53
